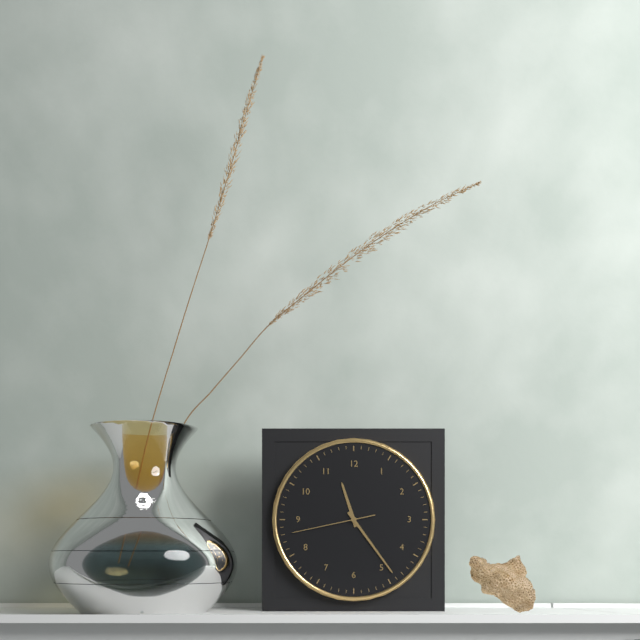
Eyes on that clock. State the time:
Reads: 11:24:43
